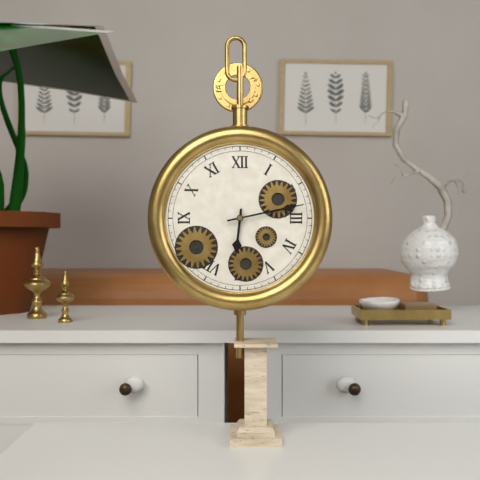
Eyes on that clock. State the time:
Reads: 6:13
